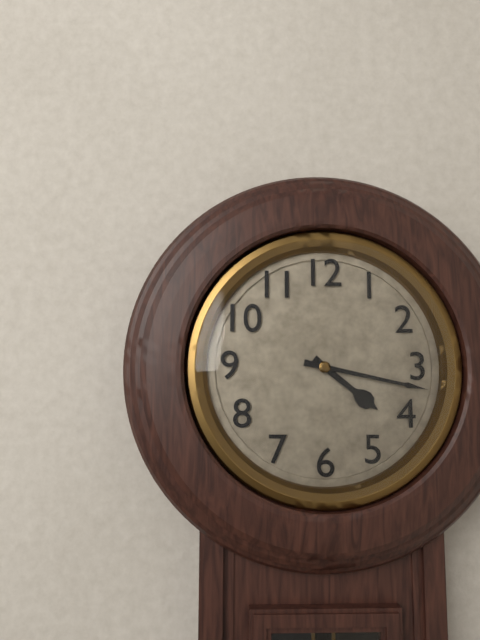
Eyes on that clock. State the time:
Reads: 4:17
